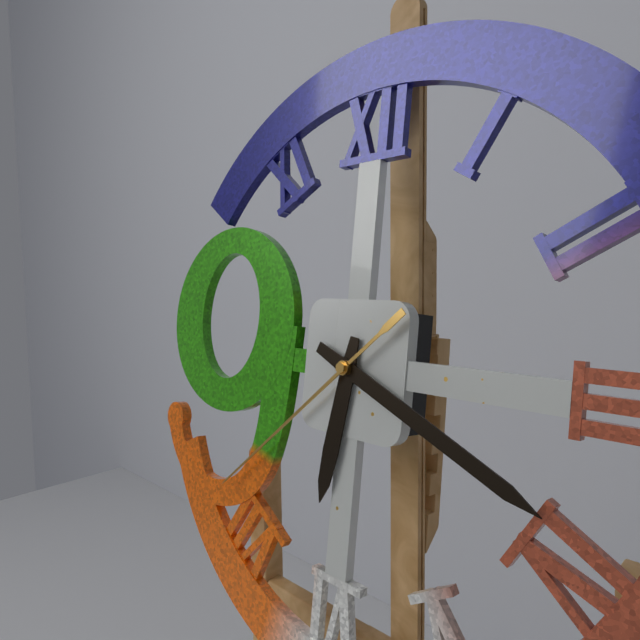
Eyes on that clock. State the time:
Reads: 6:19:38
